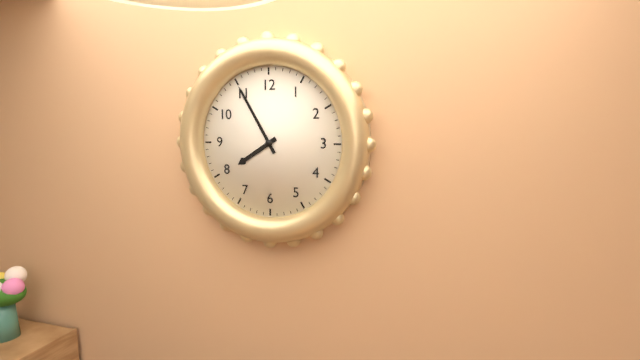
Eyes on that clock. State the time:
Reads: 7:55
